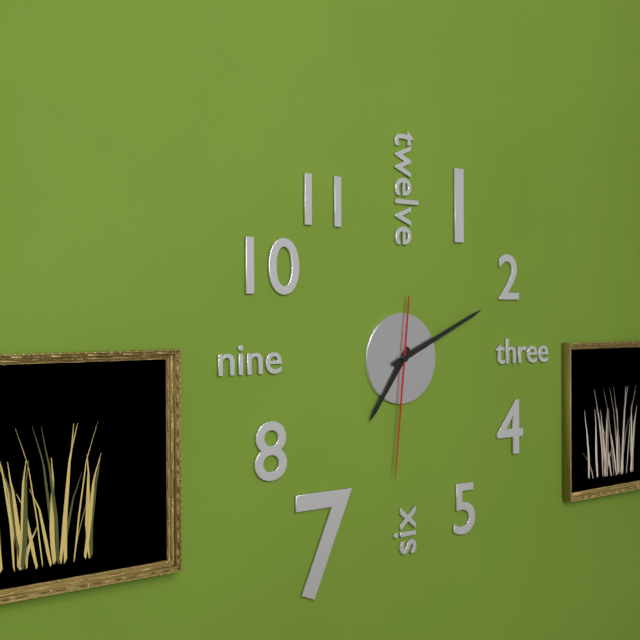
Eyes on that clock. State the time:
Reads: 7:11:31
